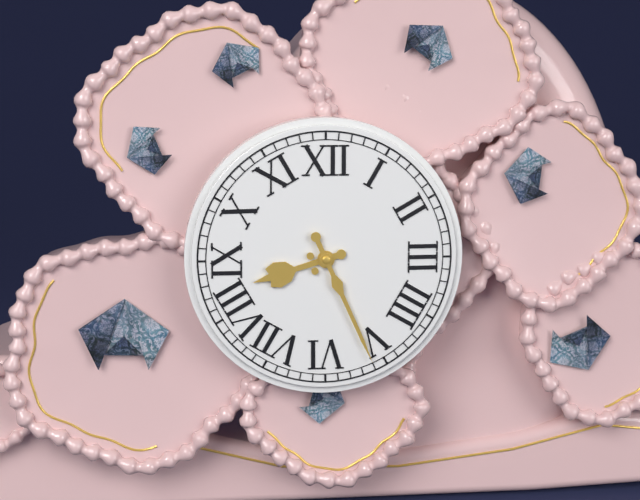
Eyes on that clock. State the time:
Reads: 8:26
